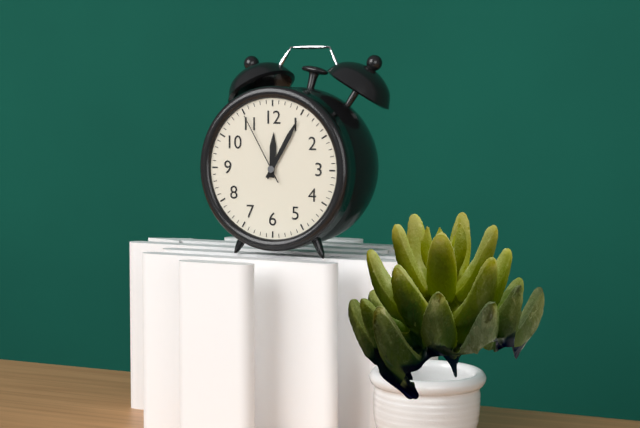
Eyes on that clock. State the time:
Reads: 12:05:55
